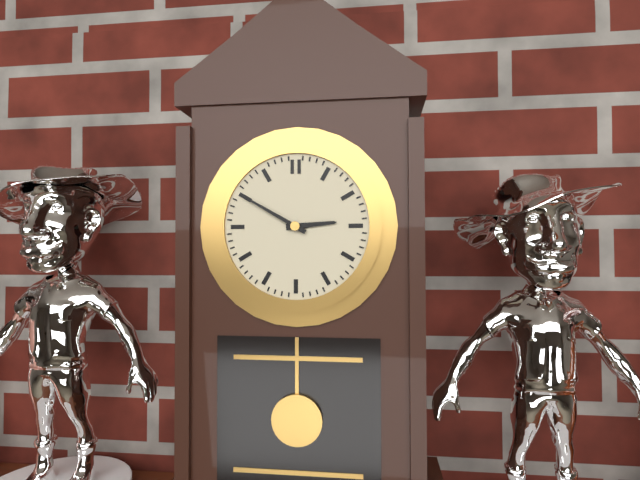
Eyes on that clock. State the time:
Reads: 2:50
